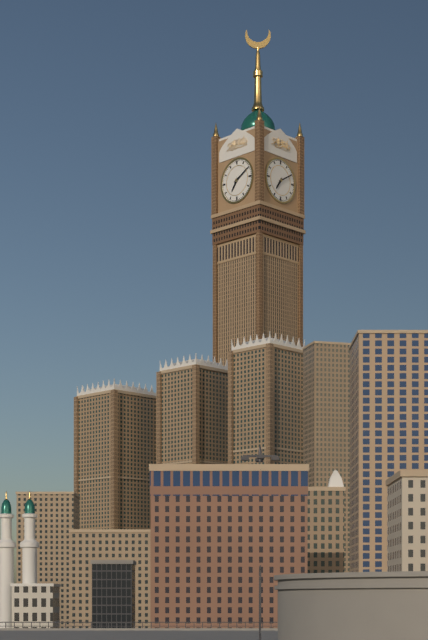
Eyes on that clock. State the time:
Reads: 7:10
